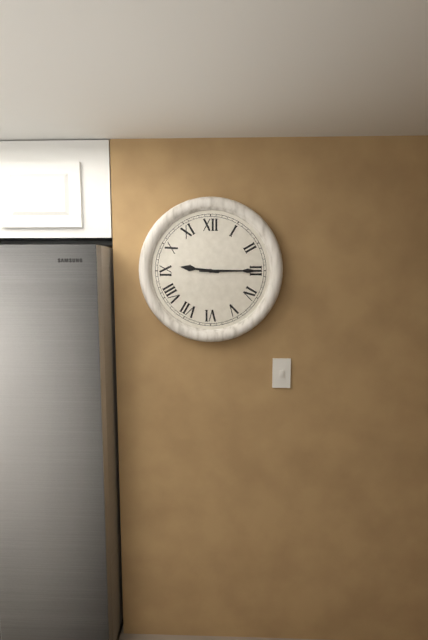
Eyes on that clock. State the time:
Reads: 9:15
